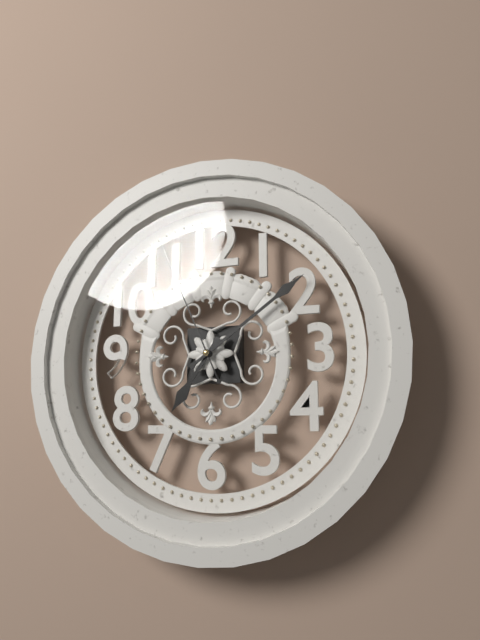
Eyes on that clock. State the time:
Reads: 7:09:56
